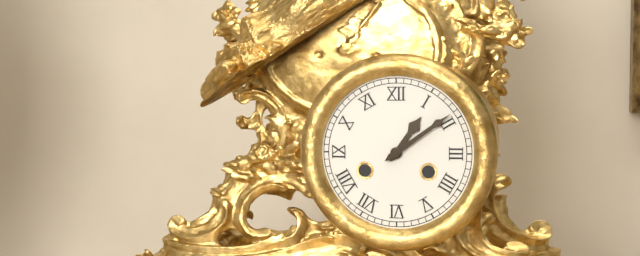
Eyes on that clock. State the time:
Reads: 1:09
